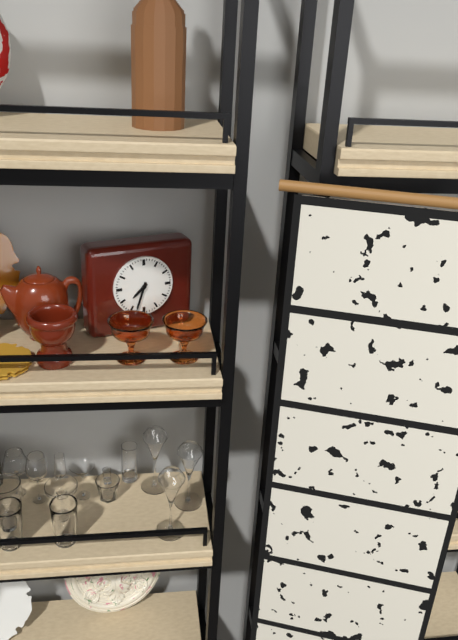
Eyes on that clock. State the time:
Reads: 7:33
